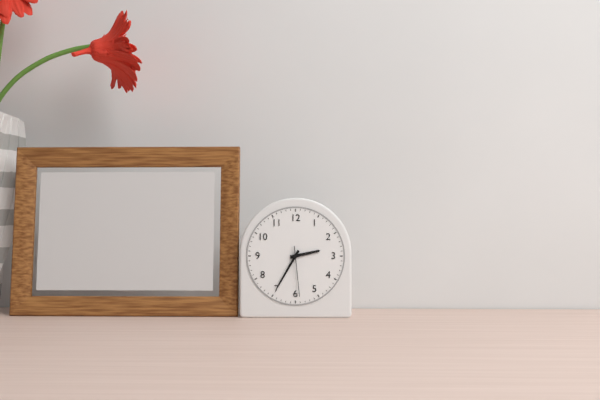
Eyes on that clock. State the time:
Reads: 2:35:29
